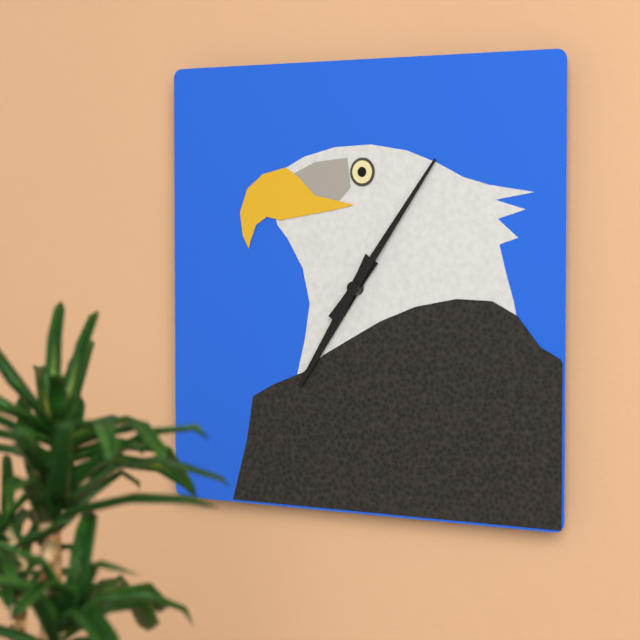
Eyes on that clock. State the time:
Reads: 7:06
